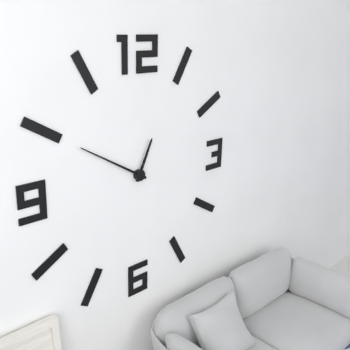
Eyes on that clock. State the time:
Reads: 12:50
